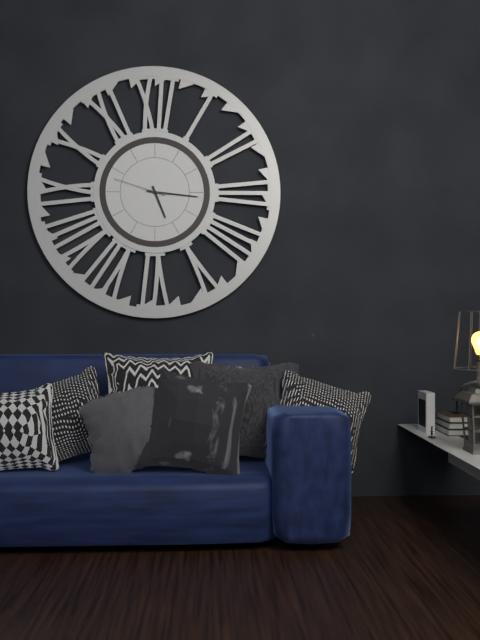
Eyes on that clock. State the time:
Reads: 5:16:48
